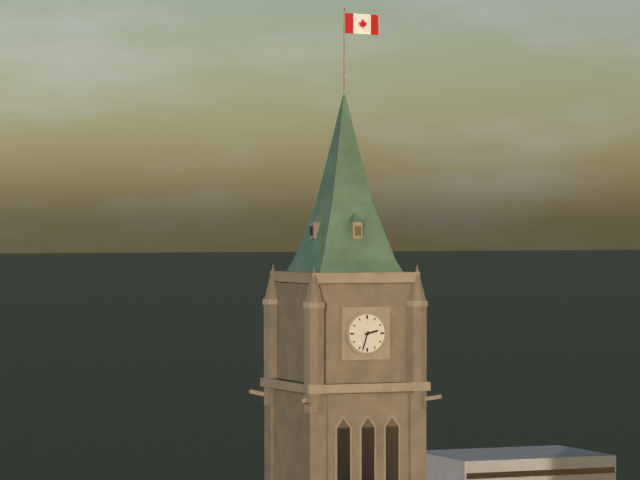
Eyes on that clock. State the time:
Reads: 2:33
